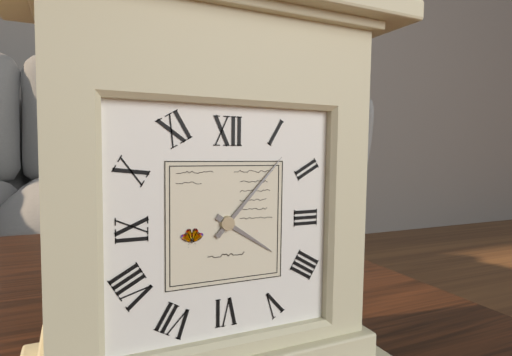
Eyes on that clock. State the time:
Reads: 4:07
